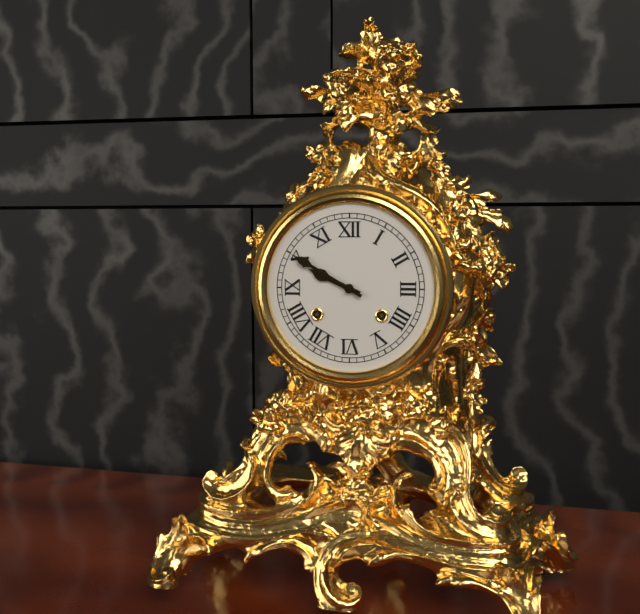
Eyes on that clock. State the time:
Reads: 9:50
